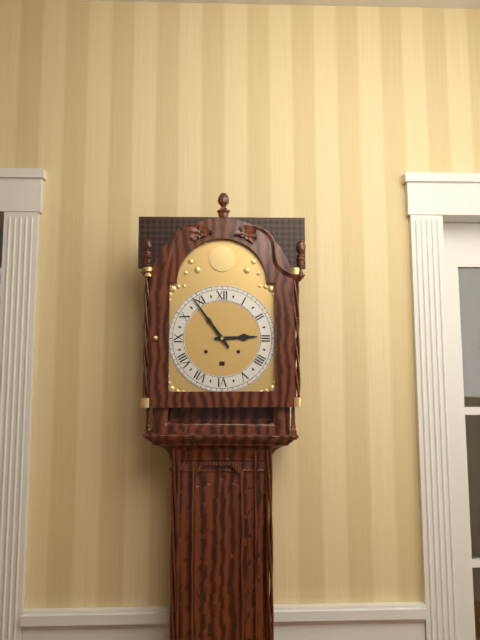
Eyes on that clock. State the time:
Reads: 2:54
